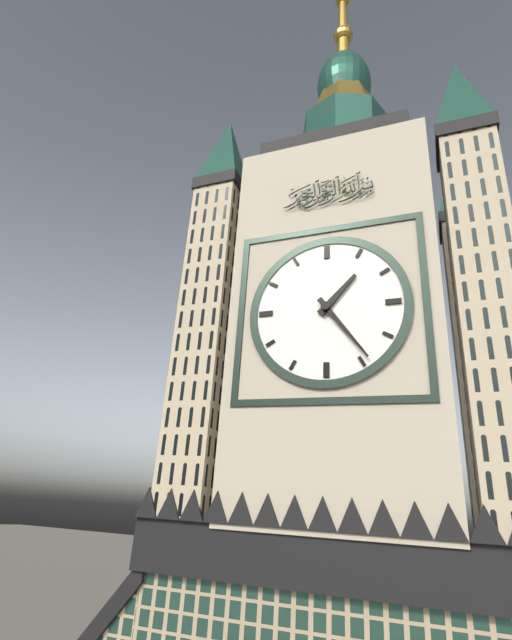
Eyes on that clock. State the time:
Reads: 1:24
